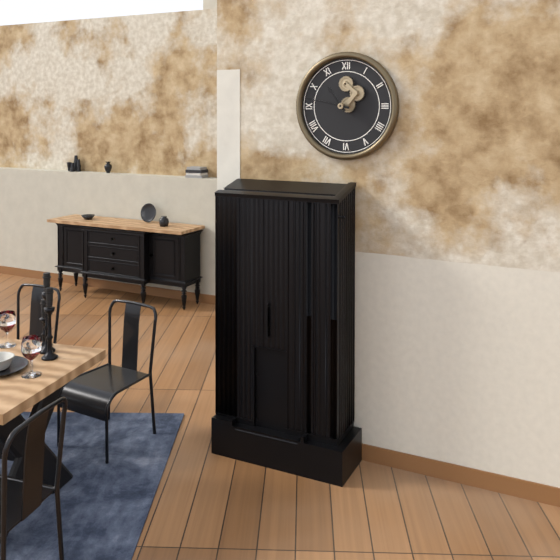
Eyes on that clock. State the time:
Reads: 10:47
